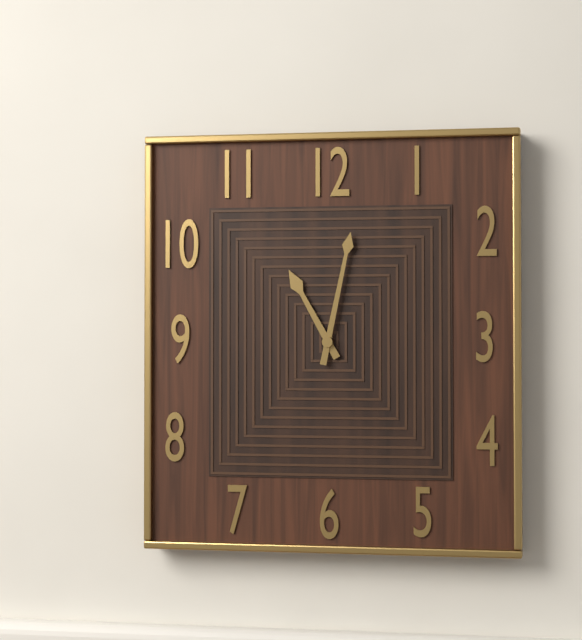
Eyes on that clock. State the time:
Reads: 11:02
